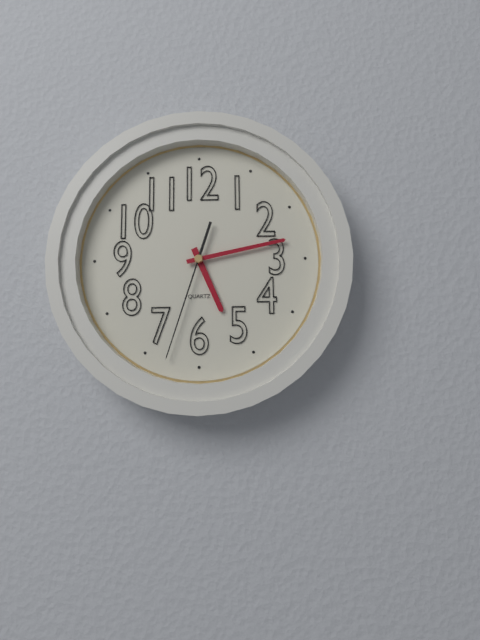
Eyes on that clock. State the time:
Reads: 5:13:33
